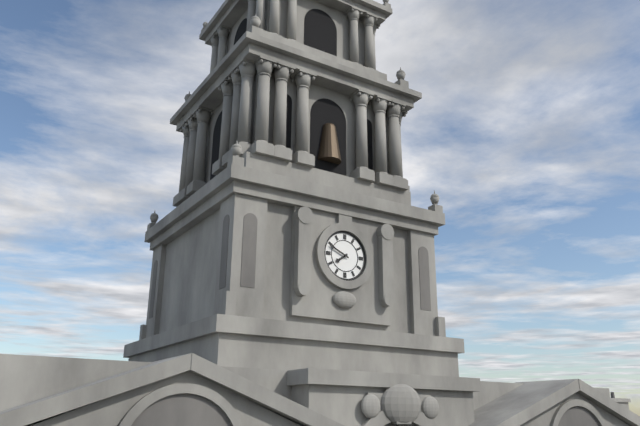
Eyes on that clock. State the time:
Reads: 7:49
